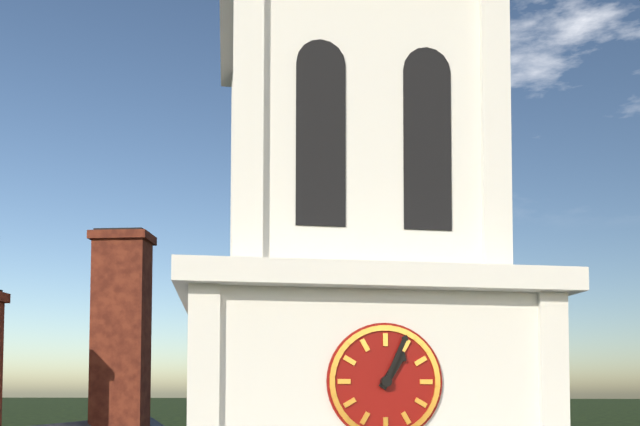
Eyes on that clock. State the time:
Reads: 1:04
